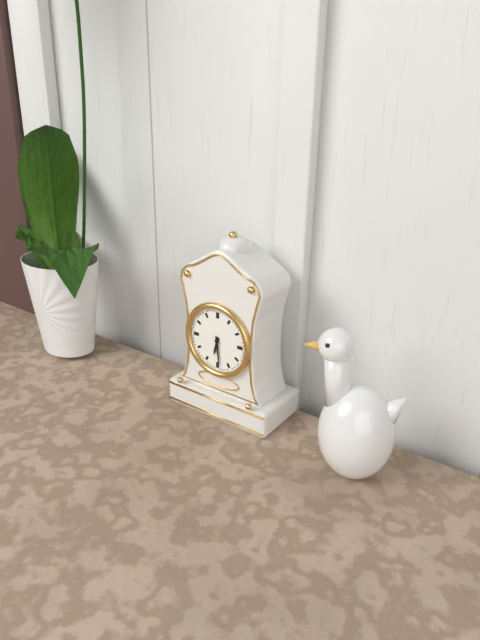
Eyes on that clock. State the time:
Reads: 6:29
